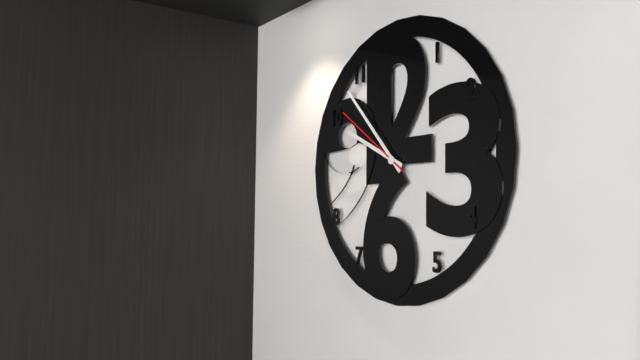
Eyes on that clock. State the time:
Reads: 9:53:51
